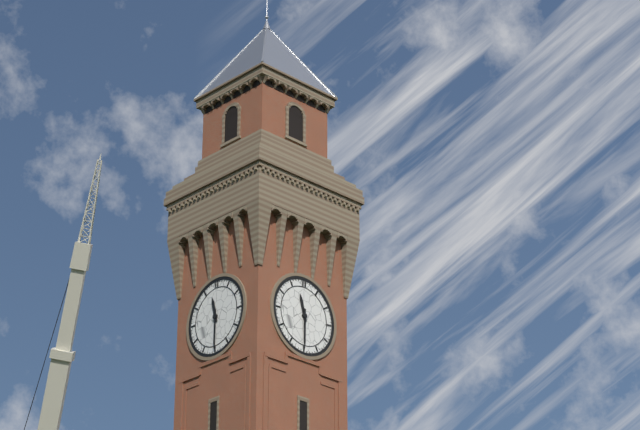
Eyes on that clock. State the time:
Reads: 11:30
